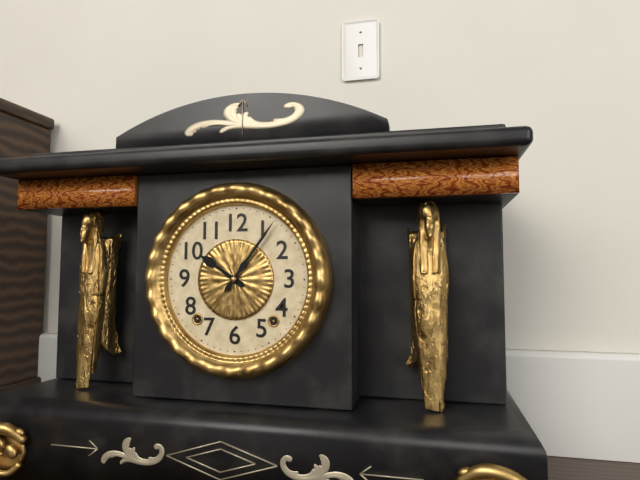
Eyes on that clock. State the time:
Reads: 10:06
